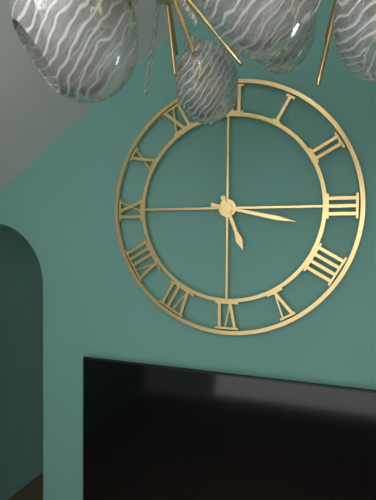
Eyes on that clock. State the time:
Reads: 5:17
